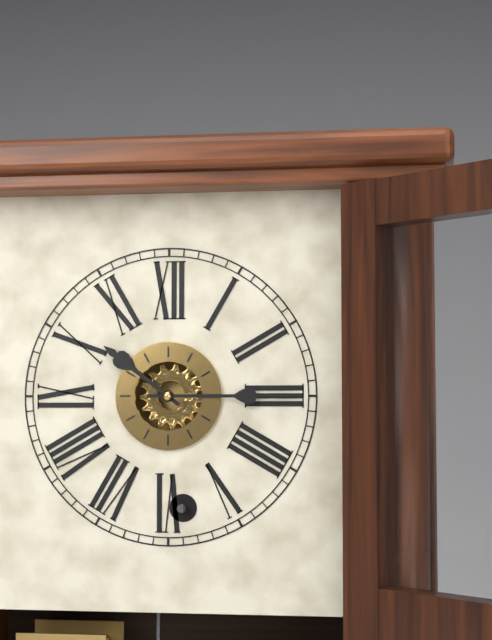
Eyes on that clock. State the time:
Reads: 10:15
